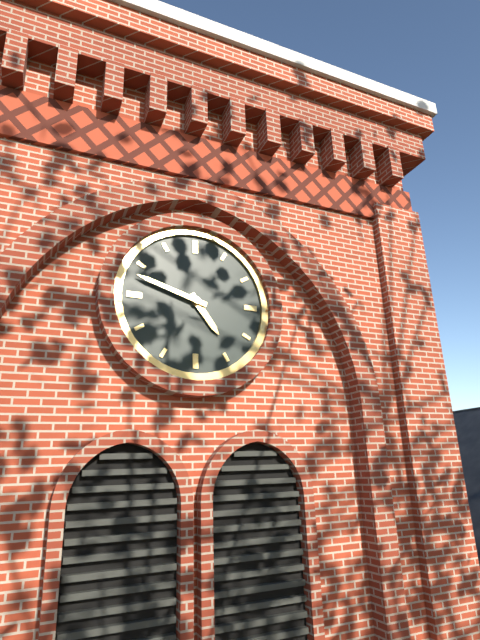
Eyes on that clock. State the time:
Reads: 4:48
